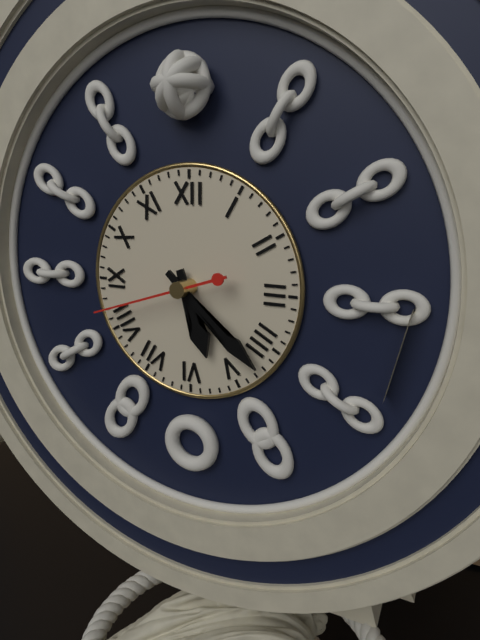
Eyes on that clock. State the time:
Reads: 5:22:42
